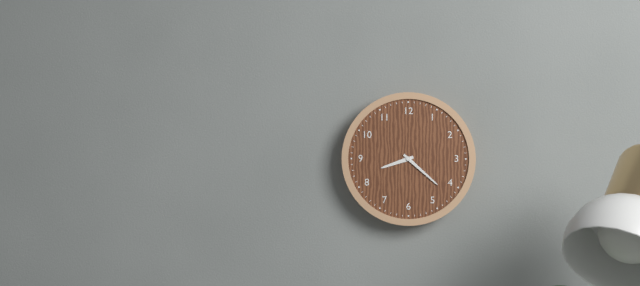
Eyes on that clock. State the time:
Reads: 8:22
